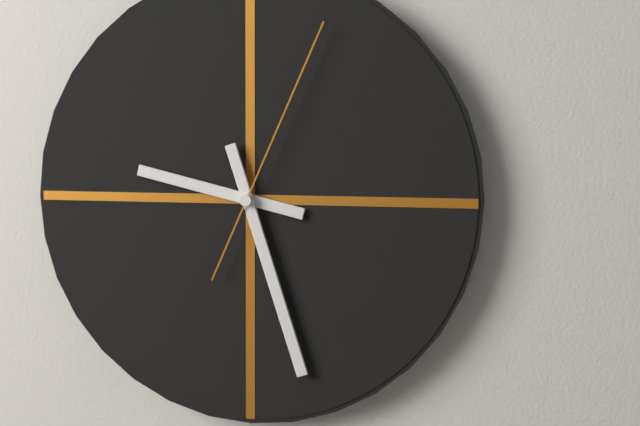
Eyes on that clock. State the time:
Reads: 9:27:04
